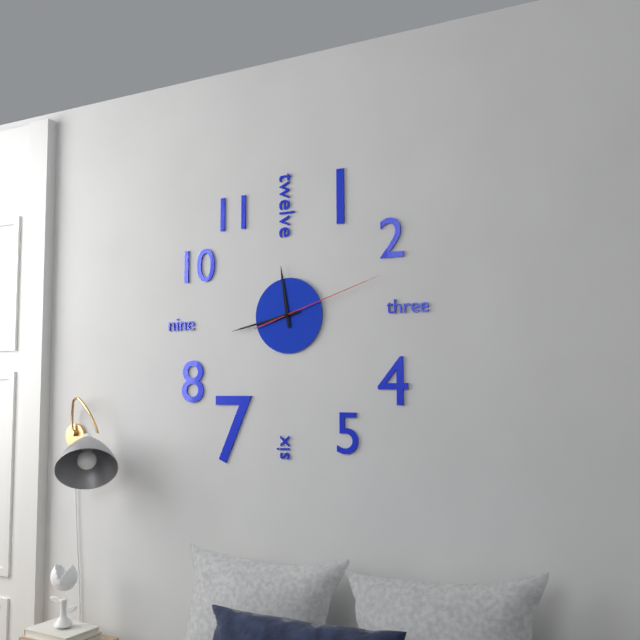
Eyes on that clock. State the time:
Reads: 11:43:12
